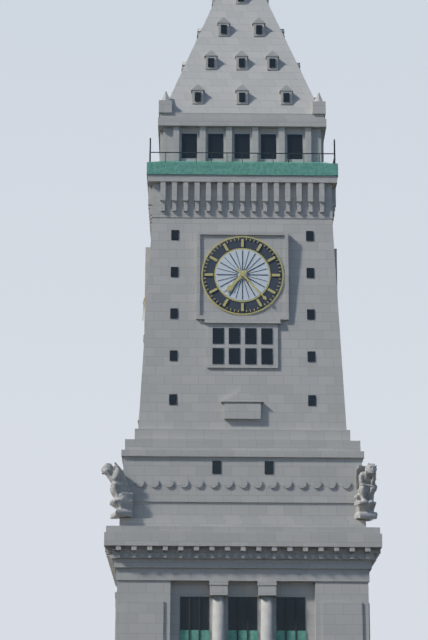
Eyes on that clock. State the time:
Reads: 7:23
